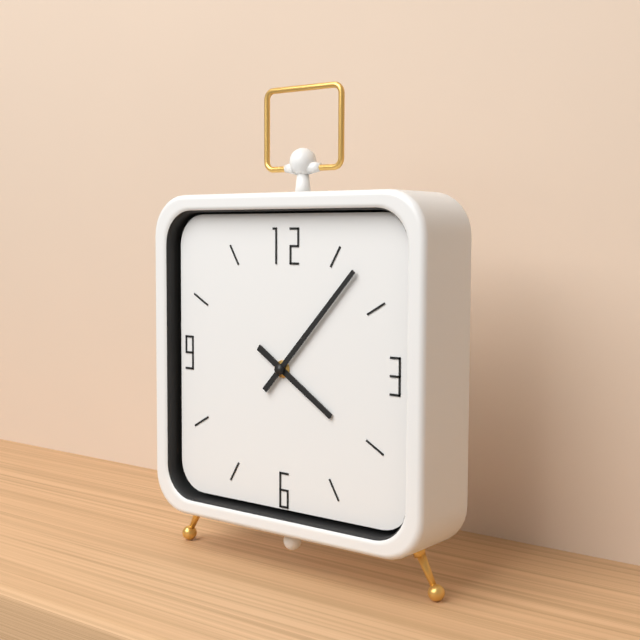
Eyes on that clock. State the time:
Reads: 4:07
